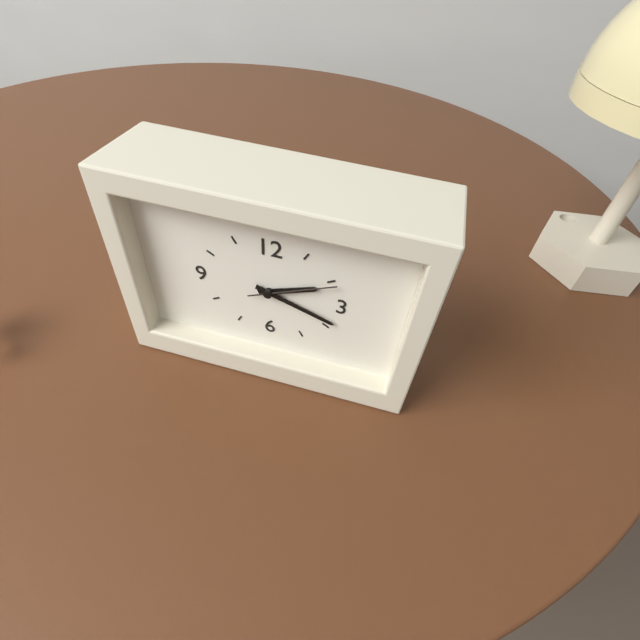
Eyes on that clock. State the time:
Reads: 2:18:11
